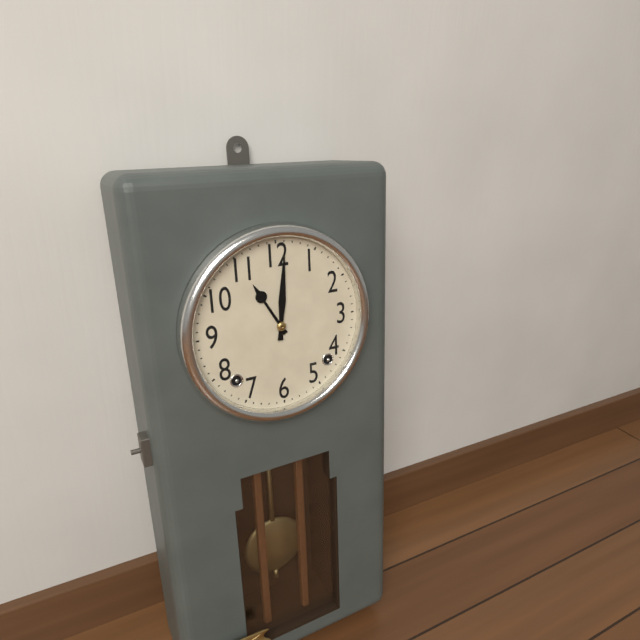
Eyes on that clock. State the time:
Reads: 11:01
